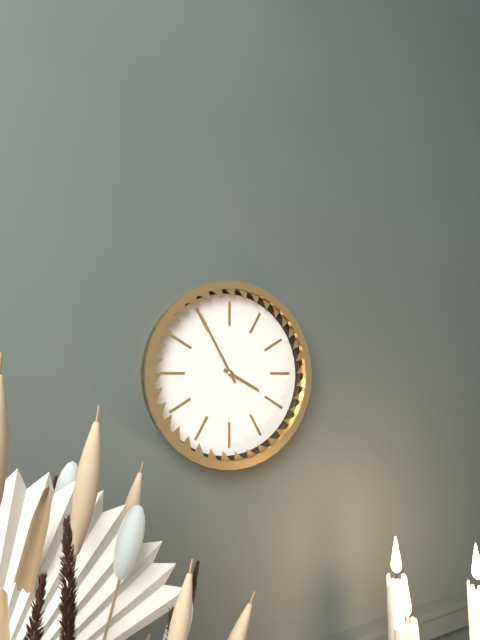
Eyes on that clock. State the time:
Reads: 3:55
